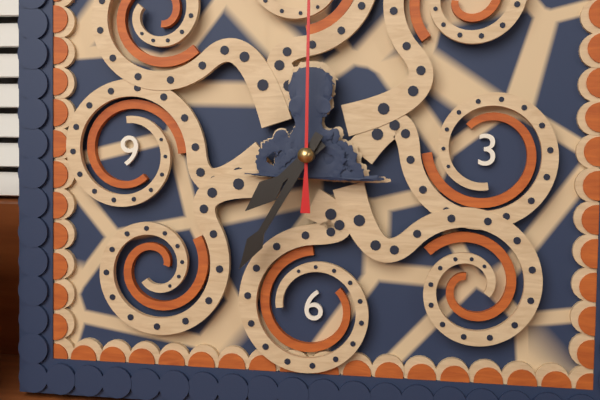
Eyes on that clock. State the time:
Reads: 7:35
